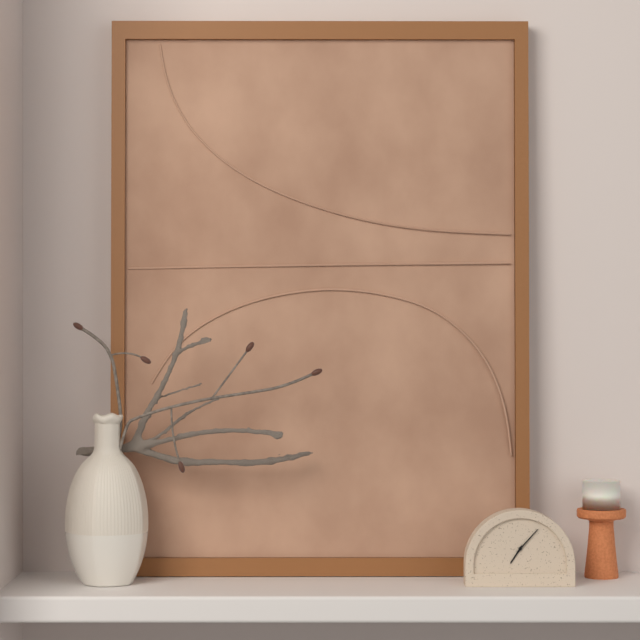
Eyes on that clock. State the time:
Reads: 7:07
